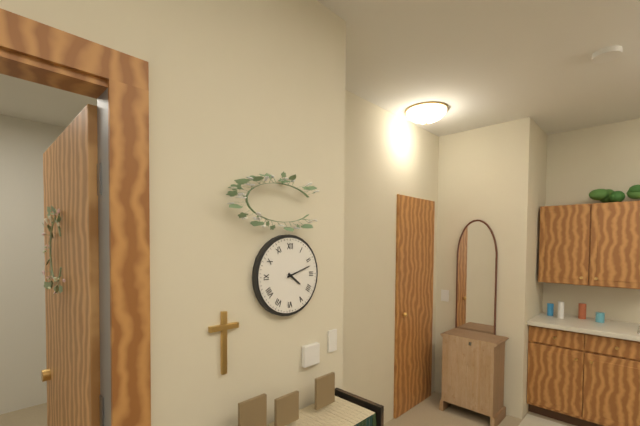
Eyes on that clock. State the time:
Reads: 4:12
